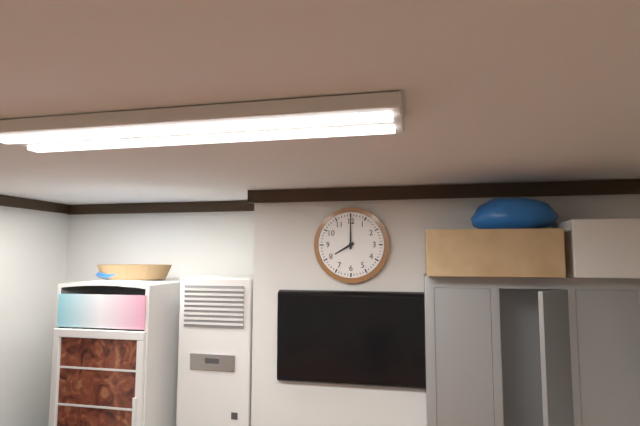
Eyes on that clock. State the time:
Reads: 8:00
